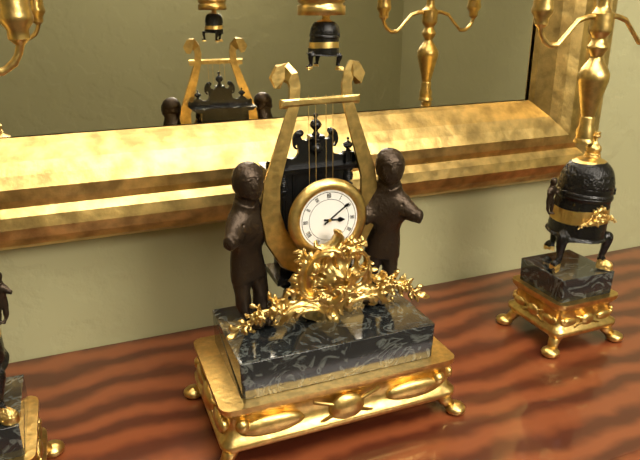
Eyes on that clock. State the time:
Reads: 3:09
